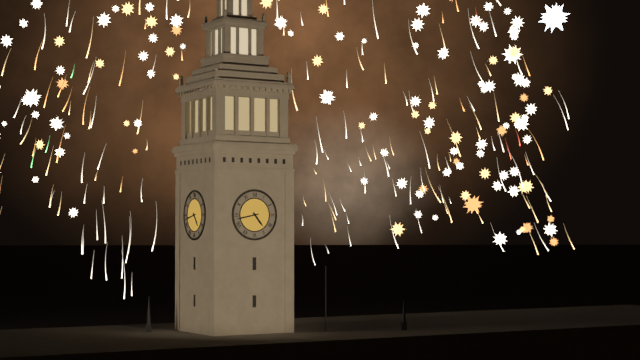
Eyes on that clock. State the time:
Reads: 4:43
